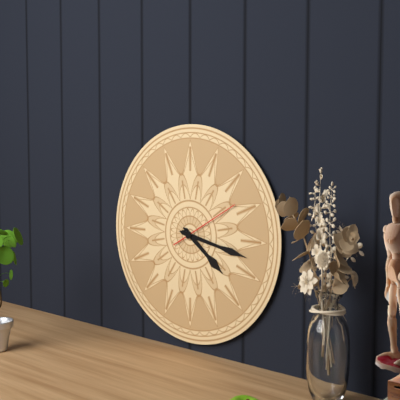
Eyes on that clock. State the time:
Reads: 4:17:10
